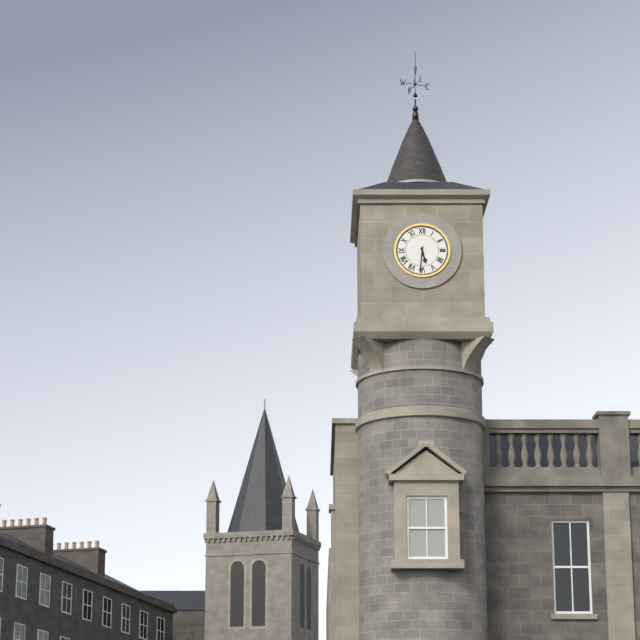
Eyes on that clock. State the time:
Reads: 5:31
